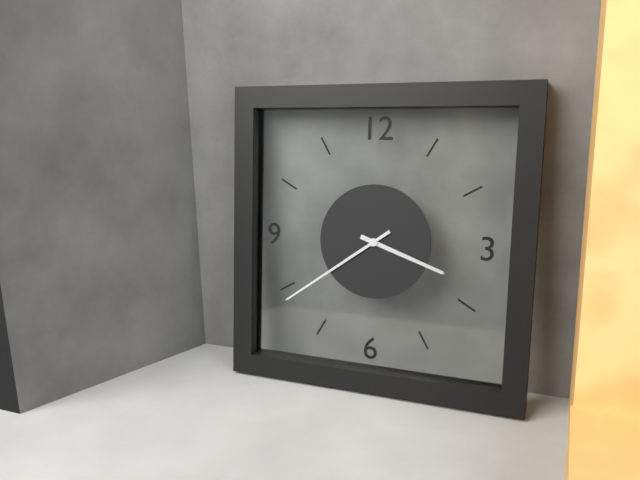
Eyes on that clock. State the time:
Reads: 3:39
